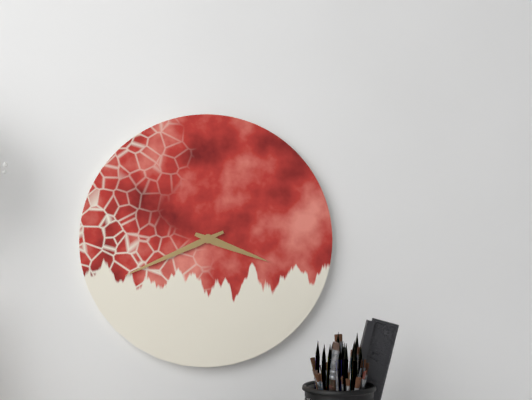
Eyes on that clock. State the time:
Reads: 3:41
